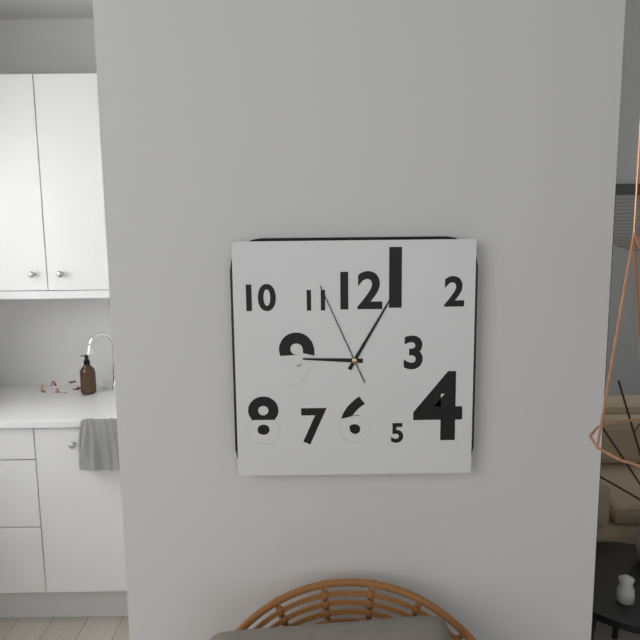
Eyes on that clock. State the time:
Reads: 9:05:56
